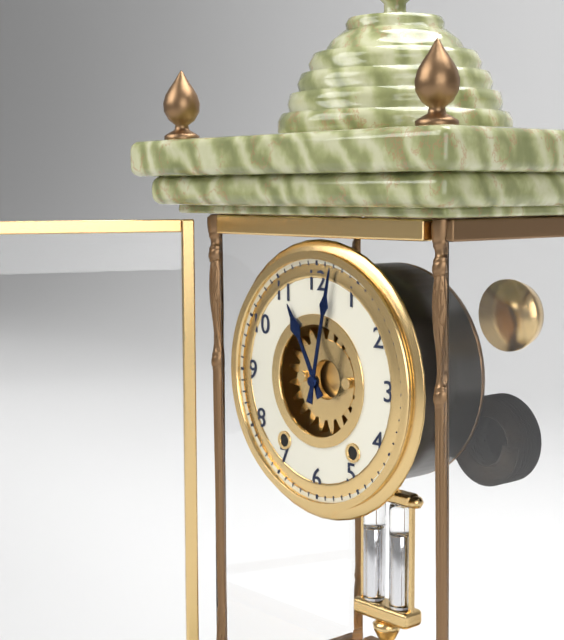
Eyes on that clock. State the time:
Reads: 11:02
